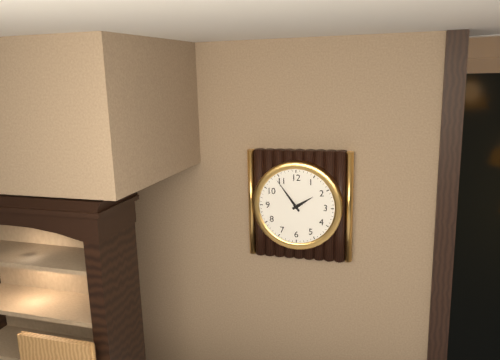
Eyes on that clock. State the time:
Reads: 1:54
